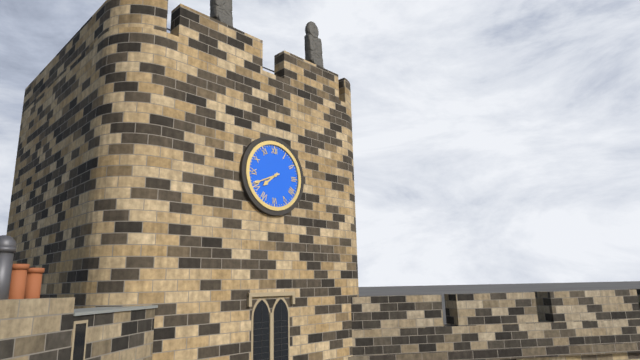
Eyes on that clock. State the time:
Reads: 7:41
